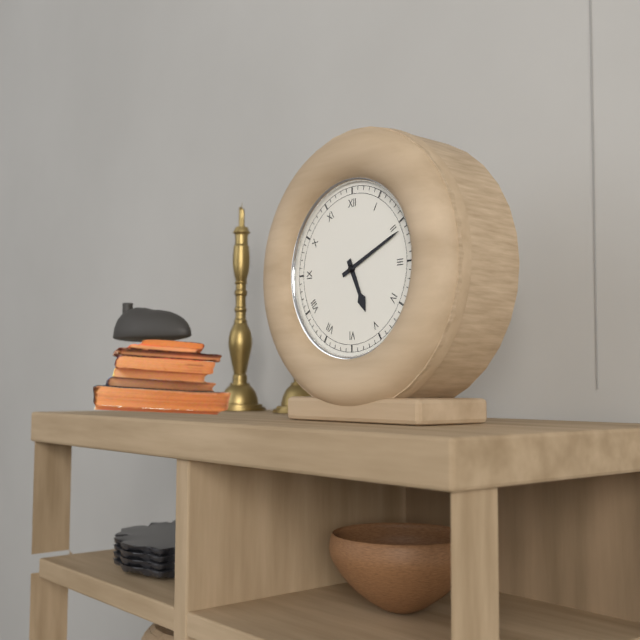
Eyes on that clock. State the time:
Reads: 5:11
